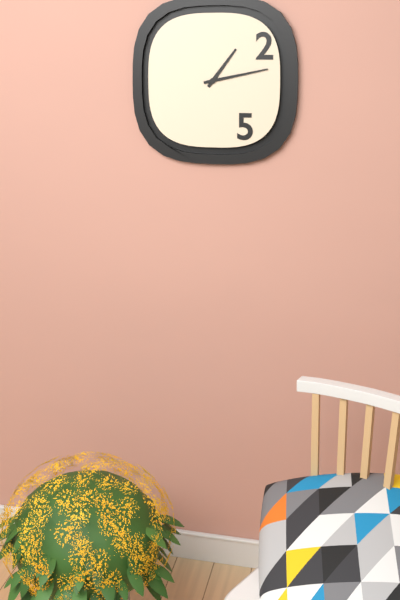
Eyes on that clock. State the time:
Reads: 1:13
